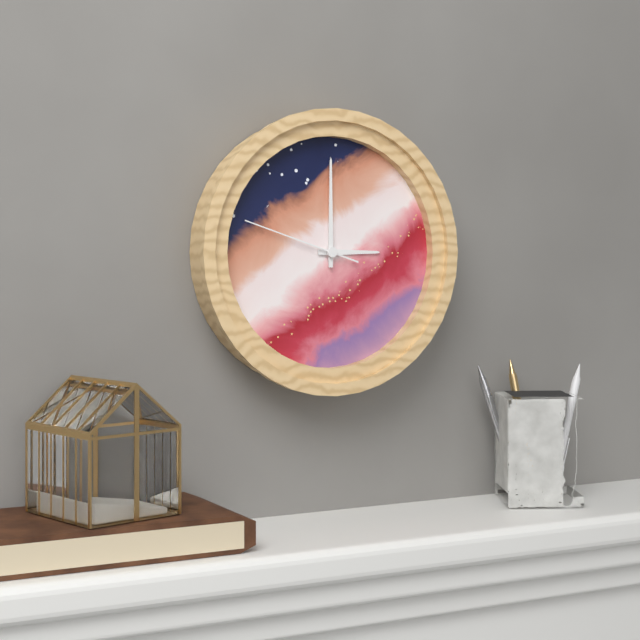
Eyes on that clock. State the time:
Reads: 3:00:48
